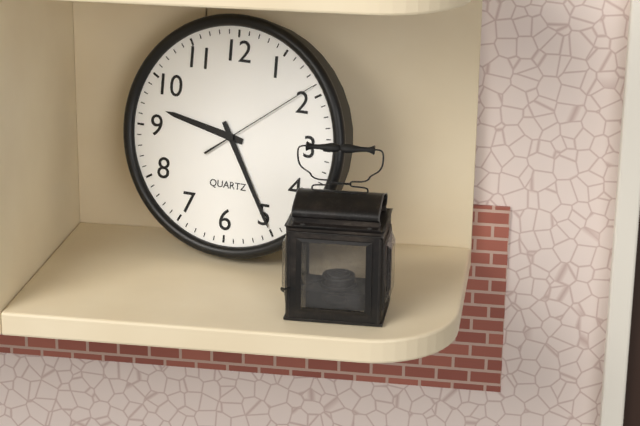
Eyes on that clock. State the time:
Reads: 9:25:09
